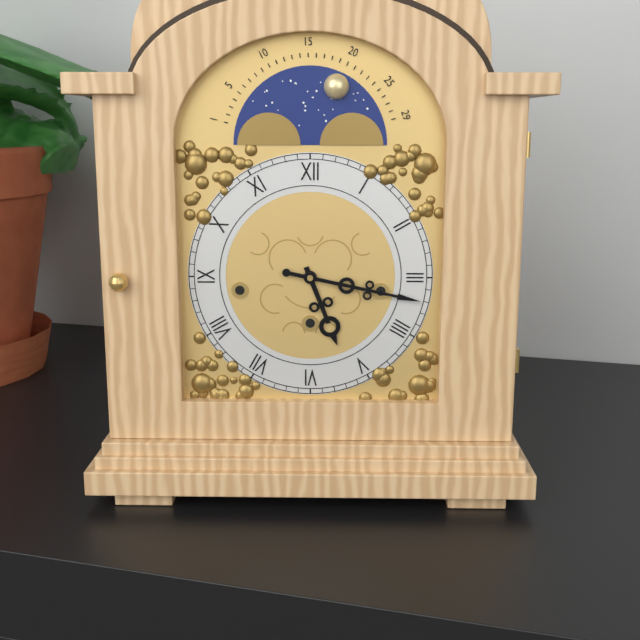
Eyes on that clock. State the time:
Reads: 5:17
